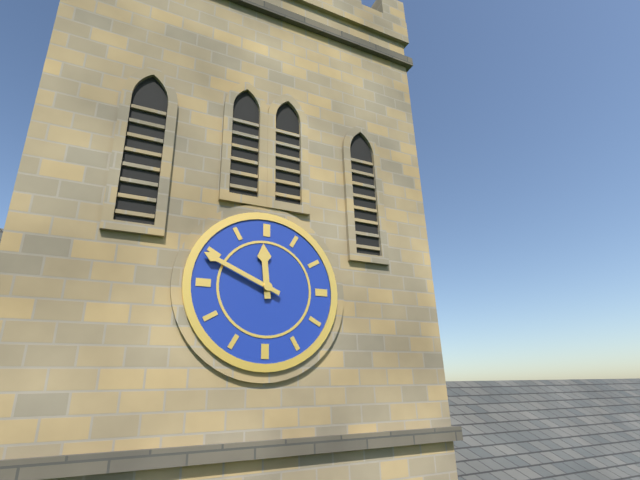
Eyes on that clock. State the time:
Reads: 11:49
